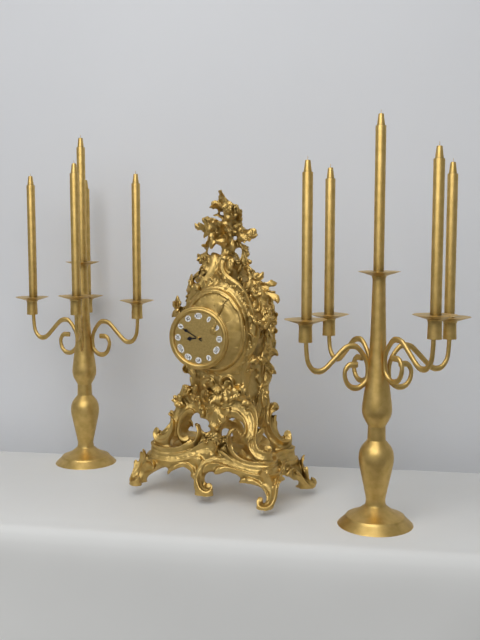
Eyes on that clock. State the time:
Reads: 8:50
